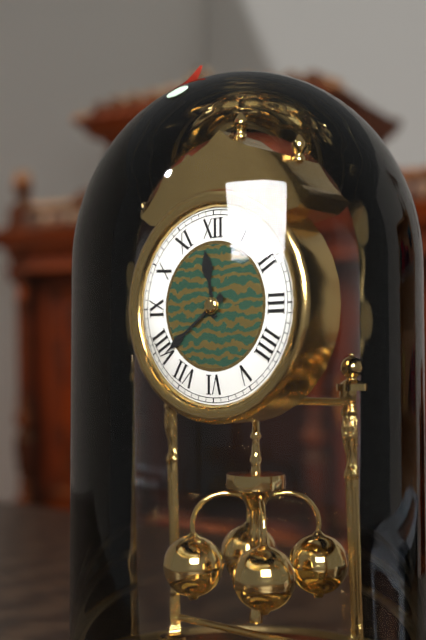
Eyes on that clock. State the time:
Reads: 11:39
